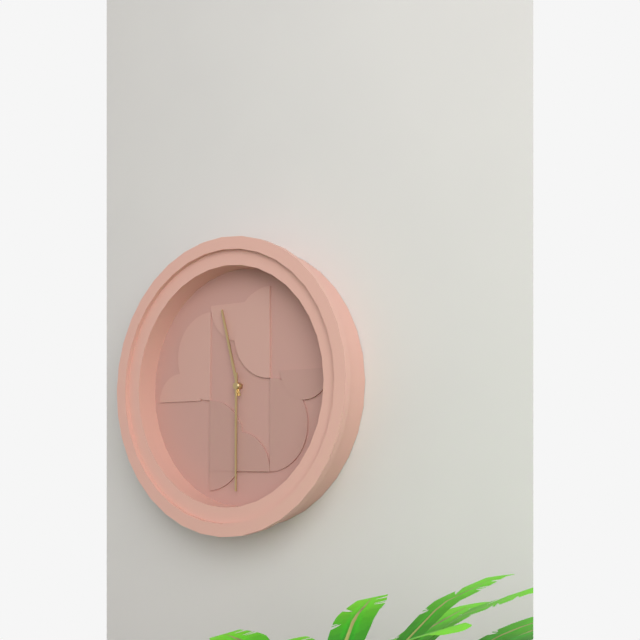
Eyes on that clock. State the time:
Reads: 11:30
